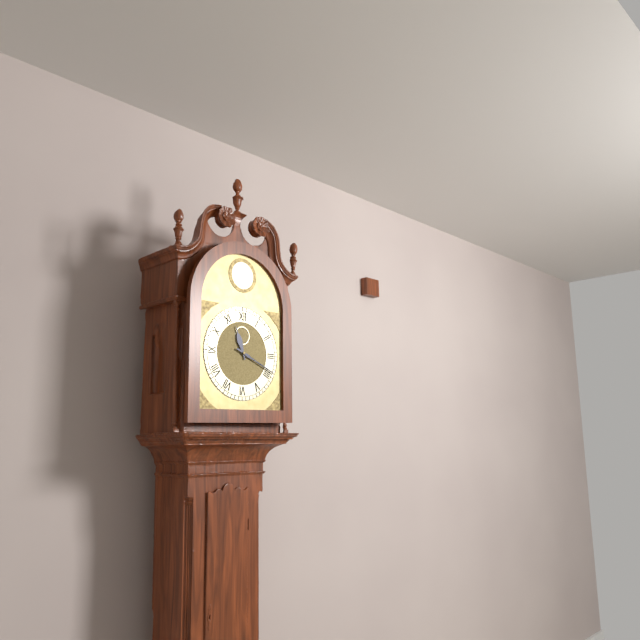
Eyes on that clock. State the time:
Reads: 11:19
